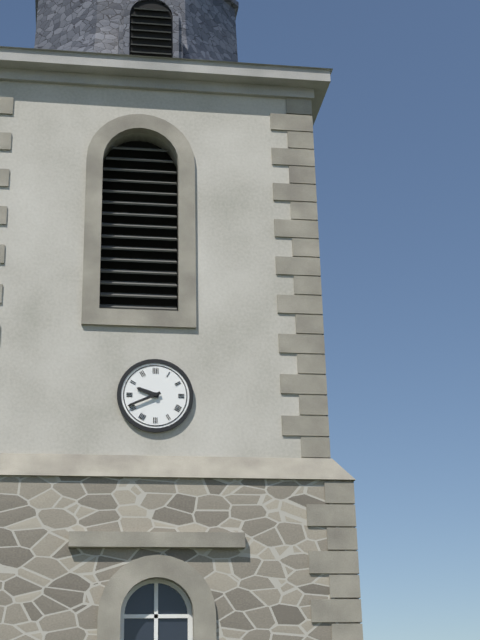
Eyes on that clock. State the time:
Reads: 9:41
